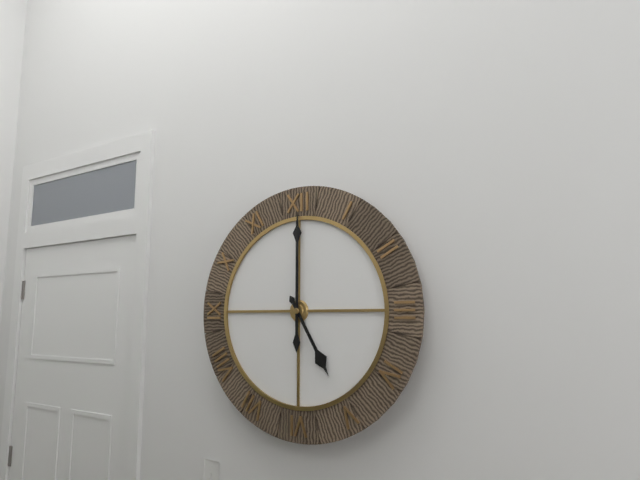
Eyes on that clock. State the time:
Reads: 5:00
